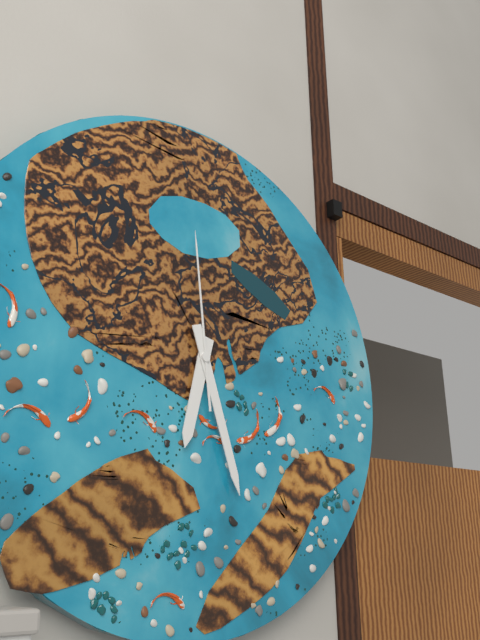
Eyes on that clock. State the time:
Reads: 6:27:59
